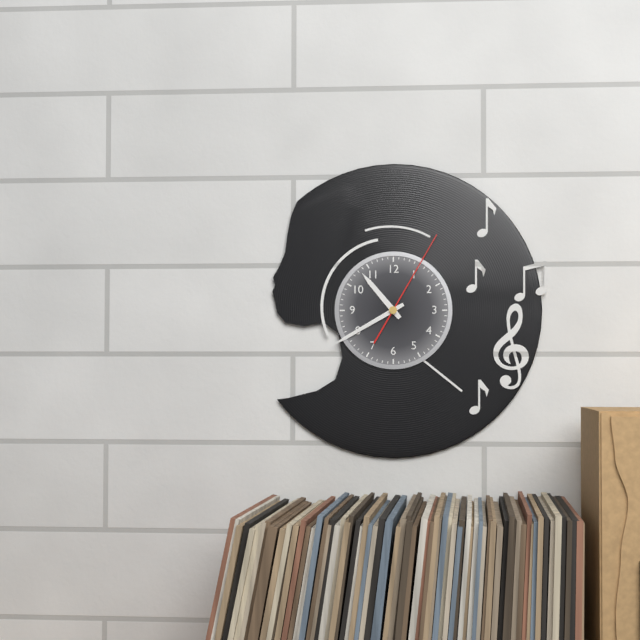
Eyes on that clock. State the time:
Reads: 10:40:05
